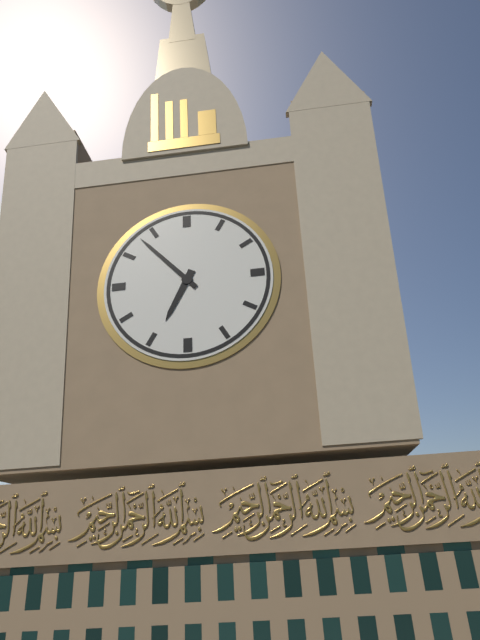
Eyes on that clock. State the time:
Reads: 6:53
